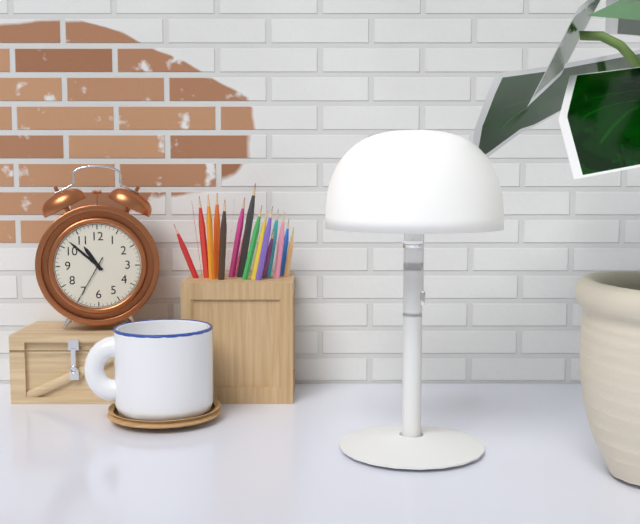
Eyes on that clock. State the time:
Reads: 10:52
